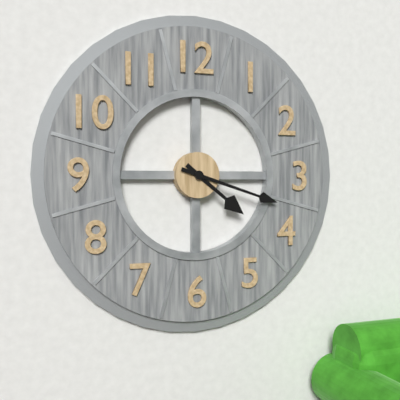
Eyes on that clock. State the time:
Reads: 4:18
